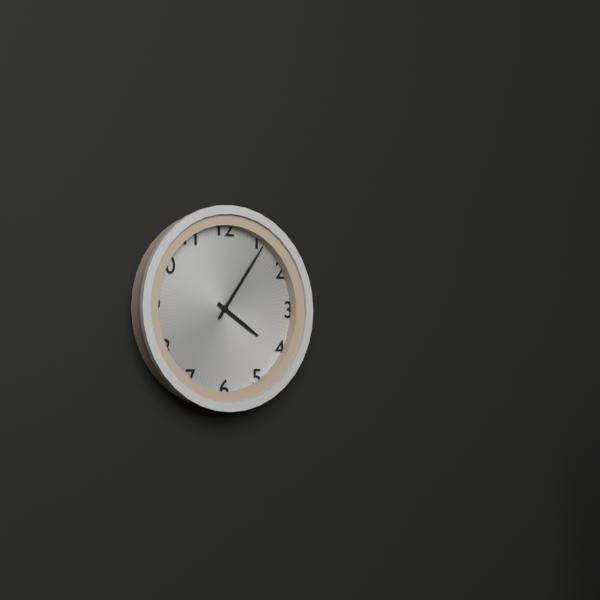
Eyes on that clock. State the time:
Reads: 4:06
